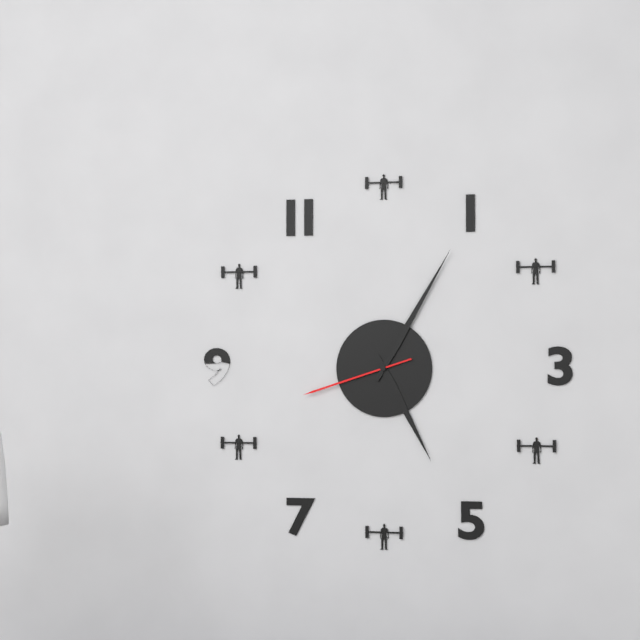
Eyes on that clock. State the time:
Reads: 5:05:42
